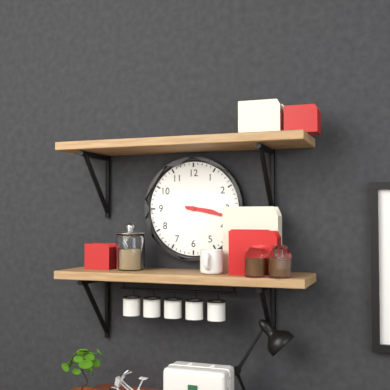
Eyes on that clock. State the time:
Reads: 3:17
